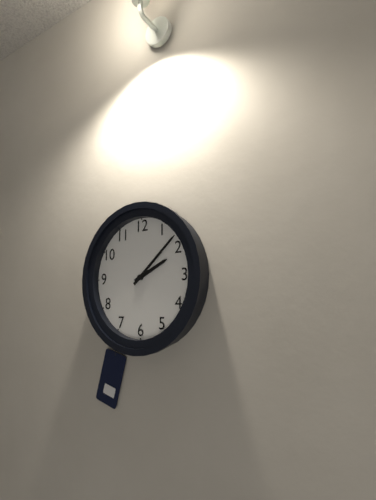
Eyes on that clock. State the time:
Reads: 2:08
